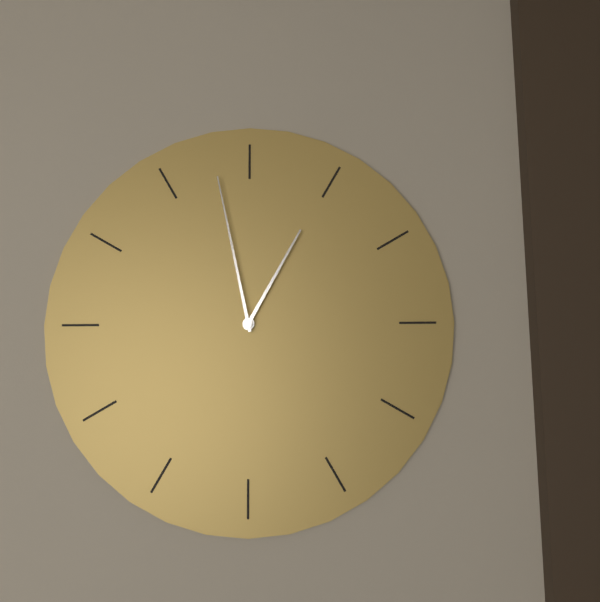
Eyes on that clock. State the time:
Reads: 12:58
